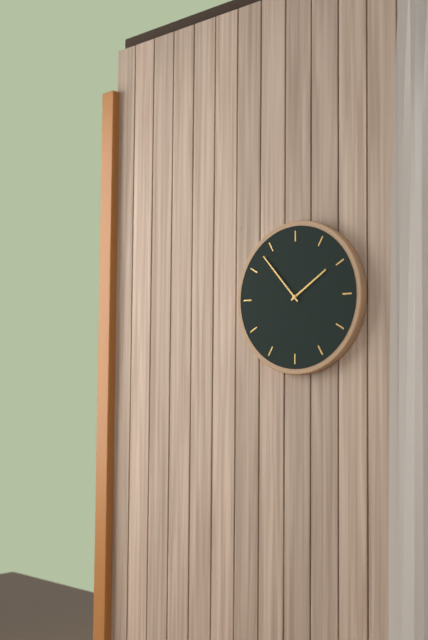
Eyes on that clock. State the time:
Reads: 1:53
